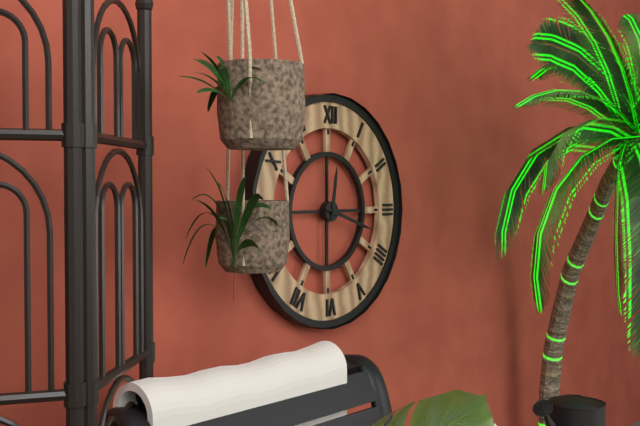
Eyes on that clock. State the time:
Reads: 12:18
